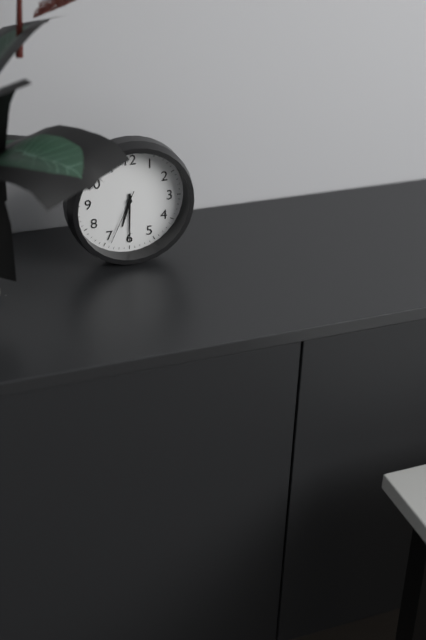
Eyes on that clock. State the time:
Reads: 6:30:34
